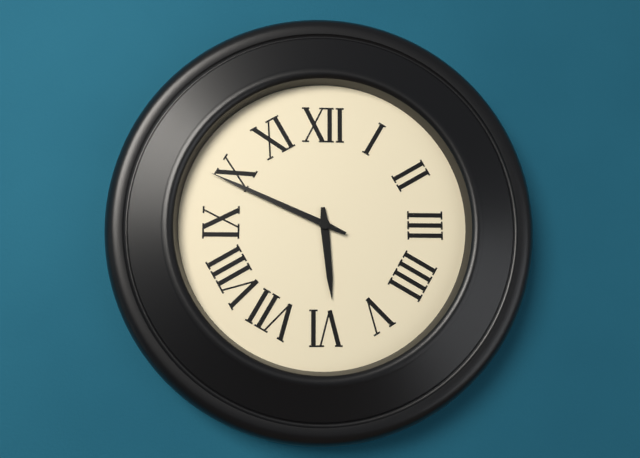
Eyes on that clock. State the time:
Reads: 5:49
